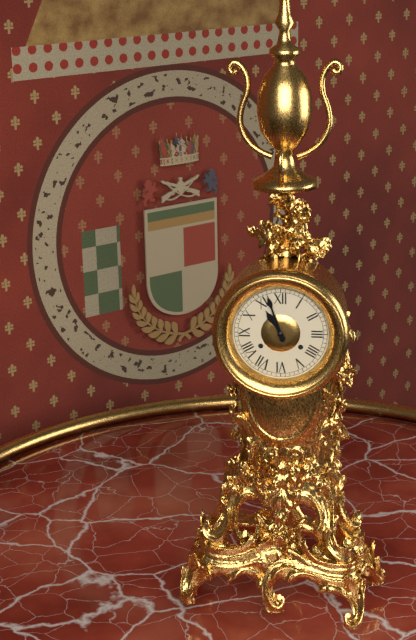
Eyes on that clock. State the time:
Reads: 10:57
